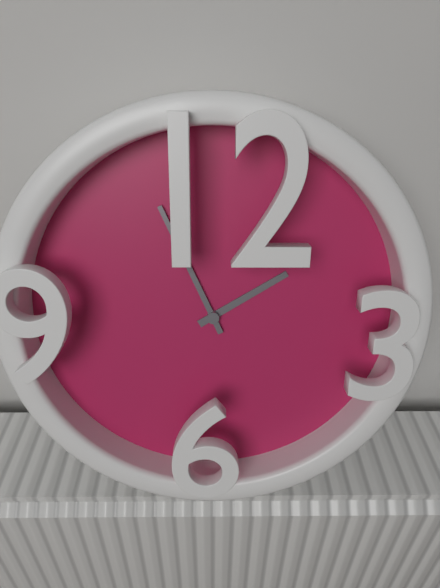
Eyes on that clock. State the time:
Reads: 1:56
